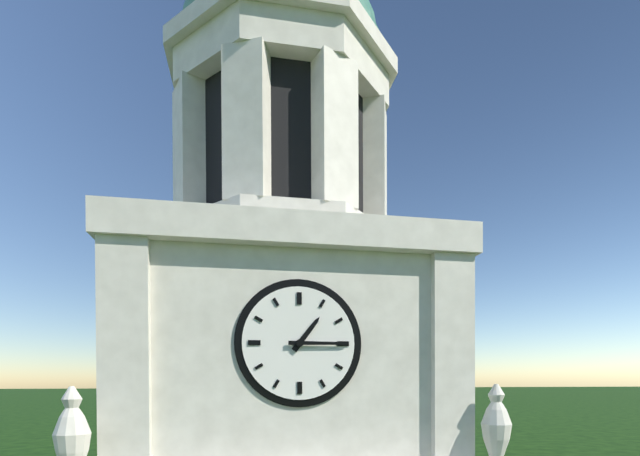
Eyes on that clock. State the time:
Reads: 1:15
